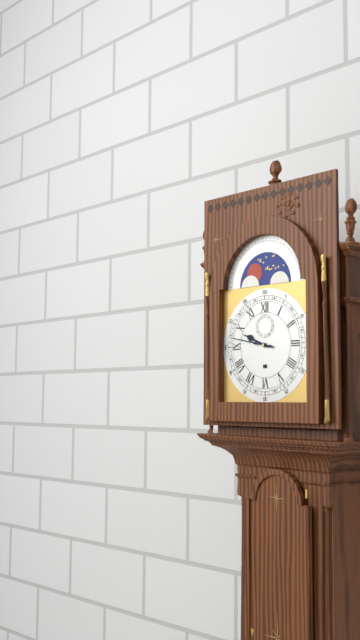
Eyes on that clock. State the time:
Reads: 9:47
